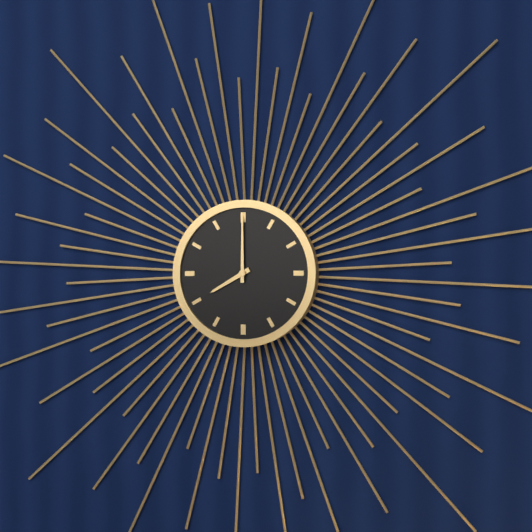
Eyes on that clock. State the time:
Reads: 8:00
